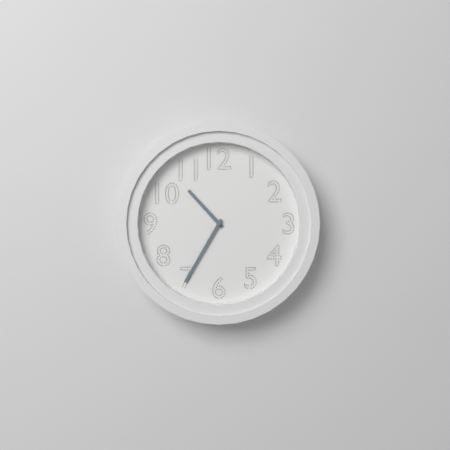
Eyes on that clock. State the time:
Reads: 10:35
